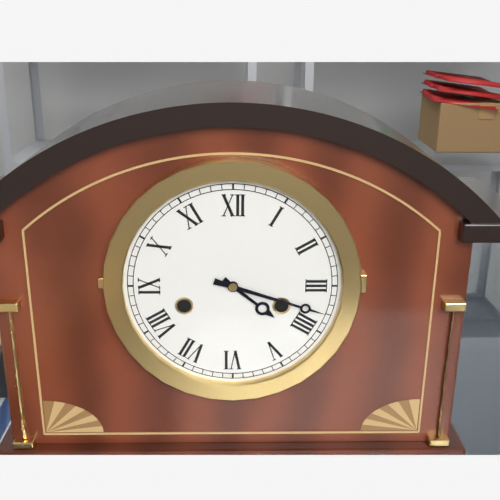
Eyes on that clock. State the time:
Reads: 4:18
